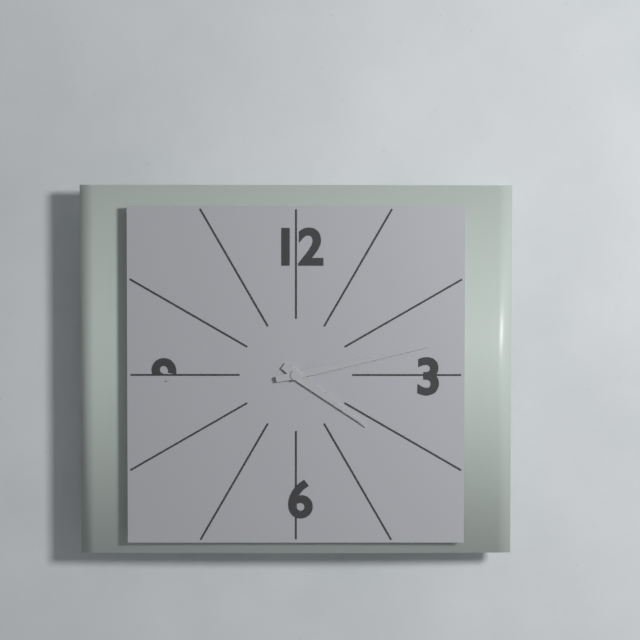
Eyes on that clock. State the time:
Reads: 4:13
